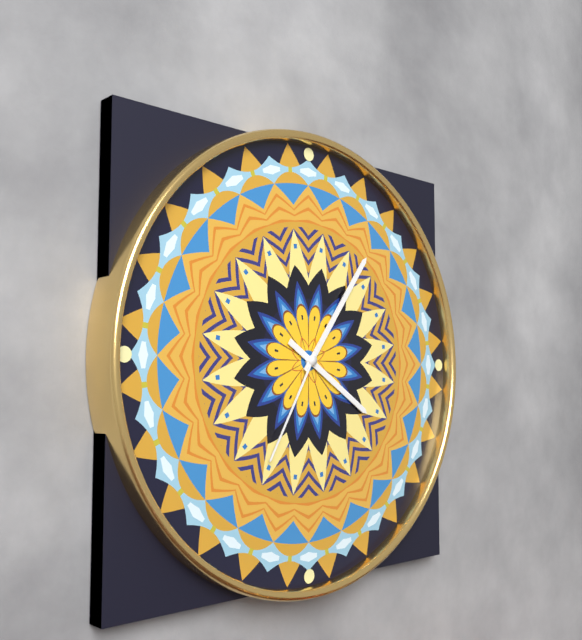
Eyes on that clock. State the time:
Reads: 4:06:35
